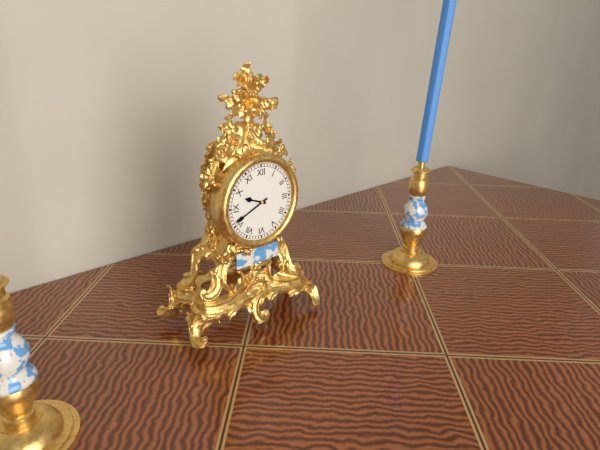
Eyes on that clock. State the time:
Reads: 9:41
